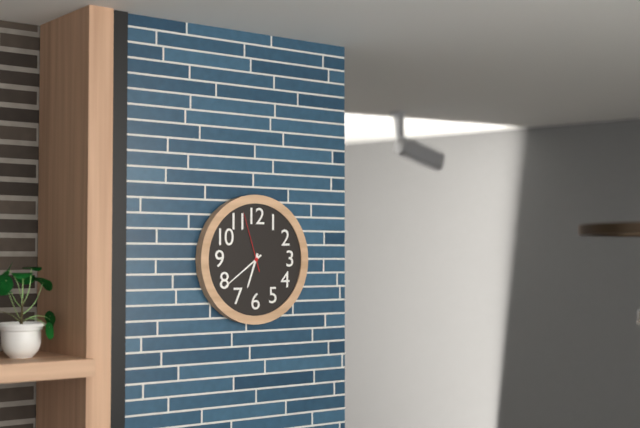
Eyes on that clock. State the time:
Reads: 6:39:57
